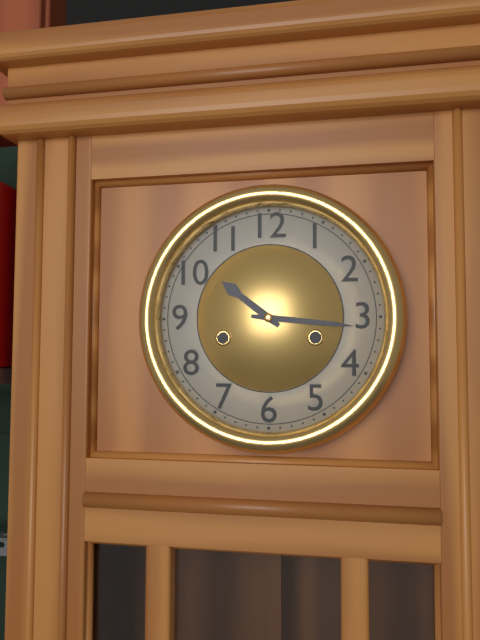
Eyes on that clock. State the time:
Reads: 10:16
